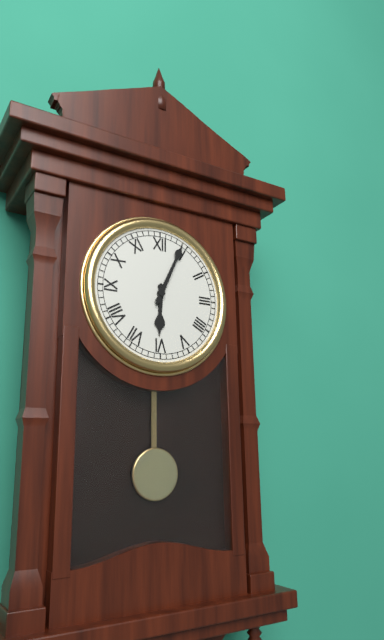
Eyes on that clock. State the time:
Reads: 6:04
